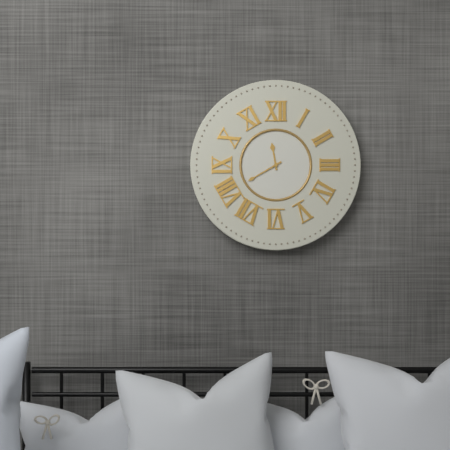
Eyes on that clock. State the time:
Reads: 11:40
